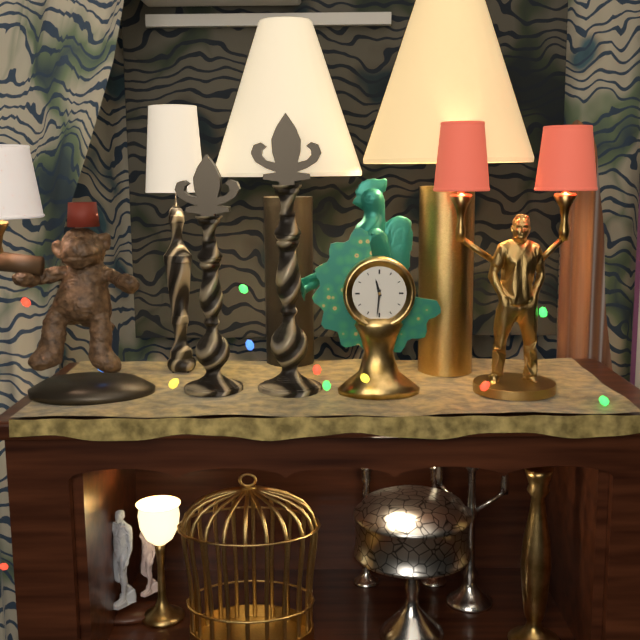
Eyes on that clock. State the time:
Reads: 11:31
